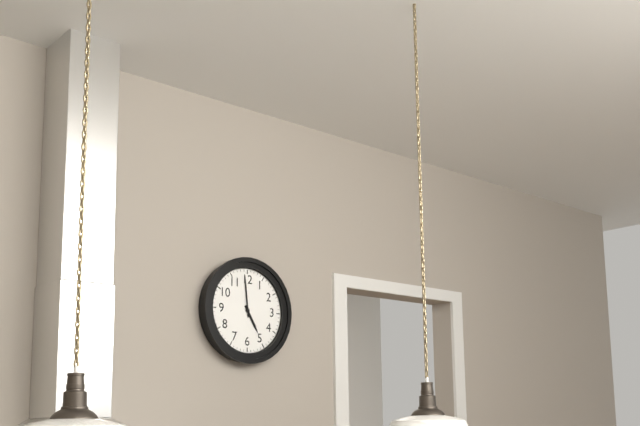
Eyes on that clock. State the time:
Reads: 4:59
